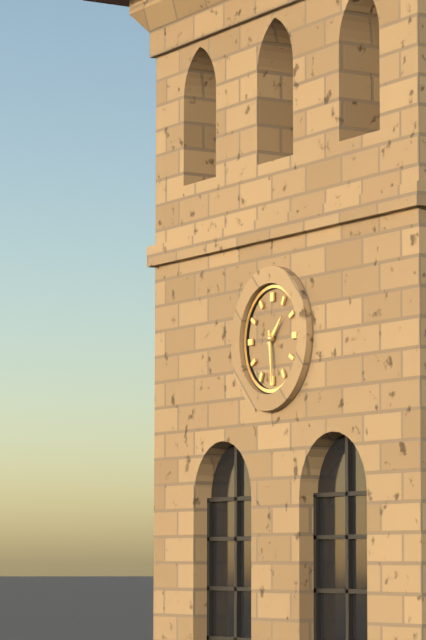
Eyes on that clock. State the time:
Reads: 1:29
